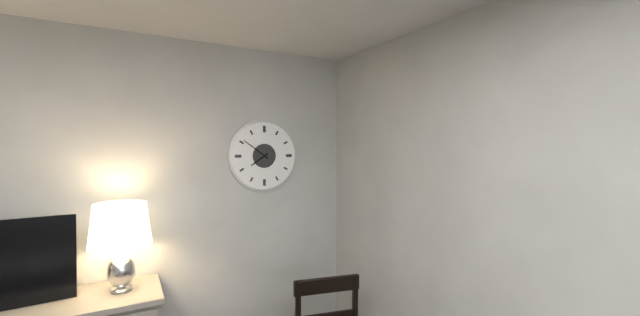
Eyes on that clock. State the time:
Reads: 7:51
